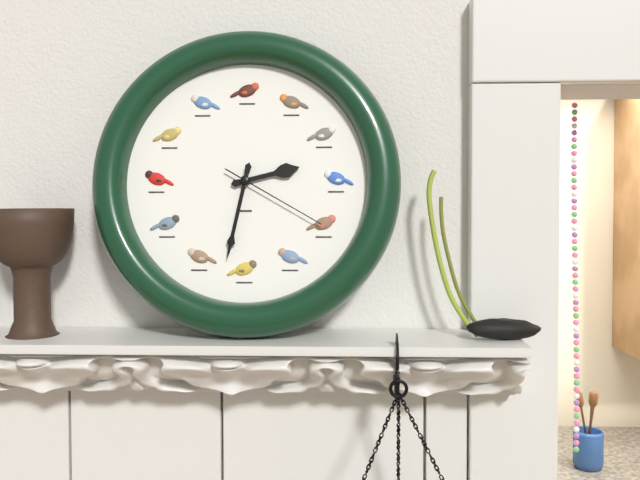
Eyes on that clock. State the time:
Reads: 2:32:20
